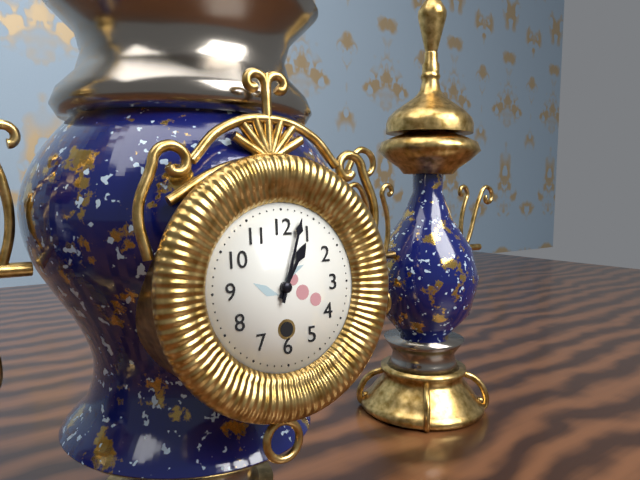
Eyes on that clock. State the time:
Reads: 1:03
